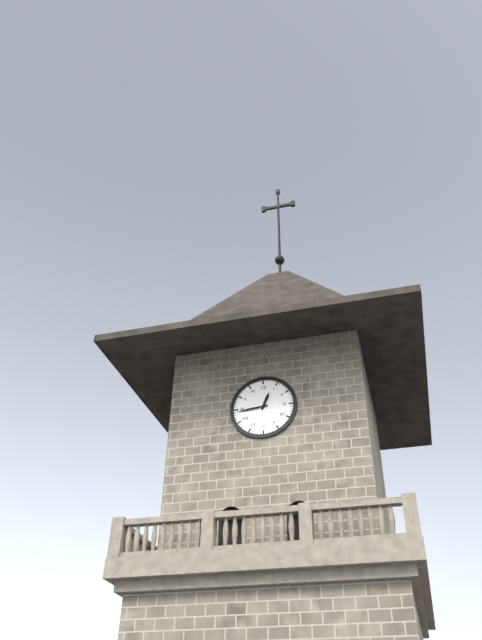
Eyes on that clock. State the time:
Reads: 12:44
